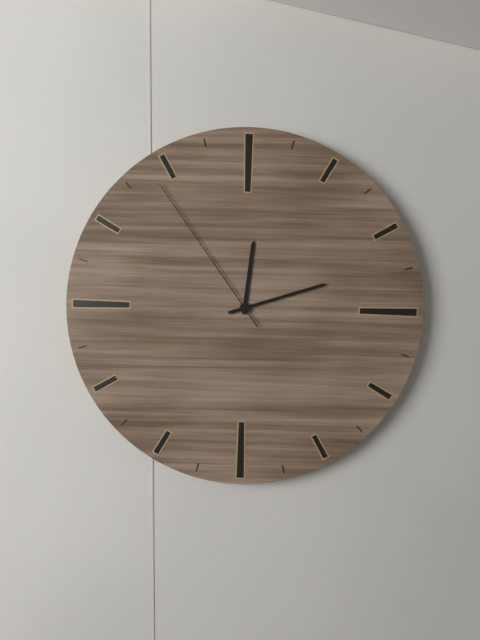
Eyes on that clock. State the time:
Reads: 12:12:54
